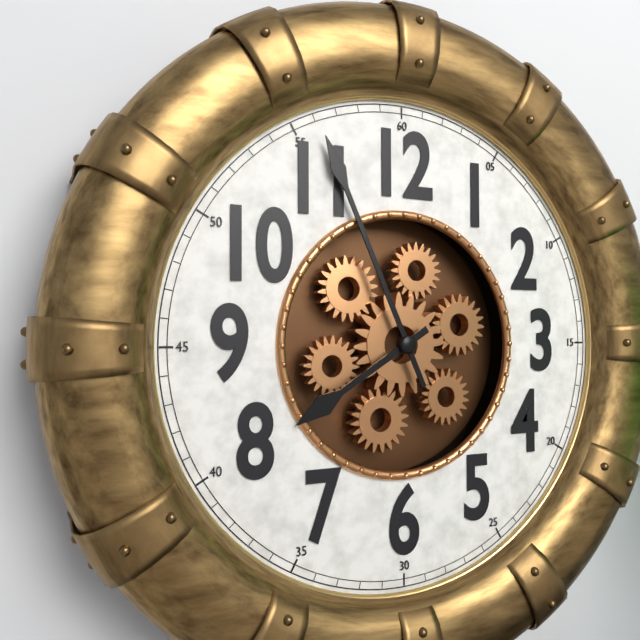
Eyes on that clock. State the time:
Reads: 7:56
